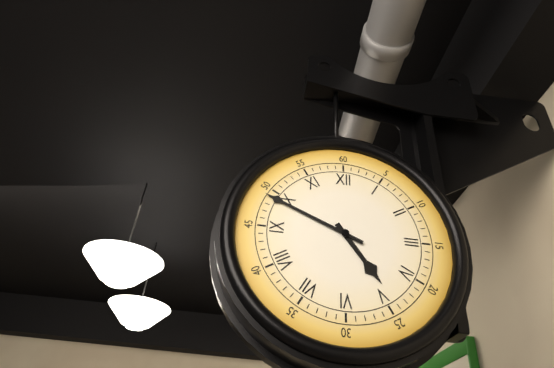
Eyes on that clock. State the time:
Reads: 4:49
